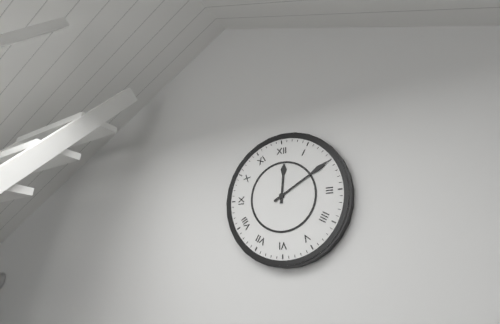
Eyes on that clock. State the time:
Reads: 12:10
